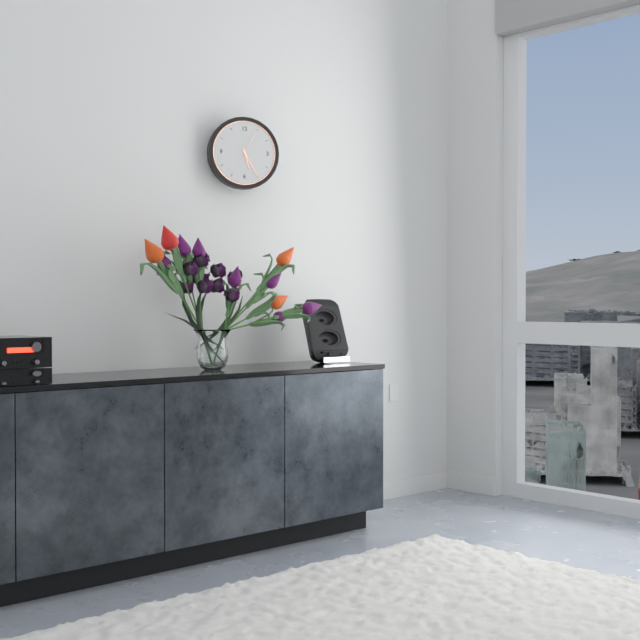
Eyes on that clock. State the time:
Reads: 5:25
